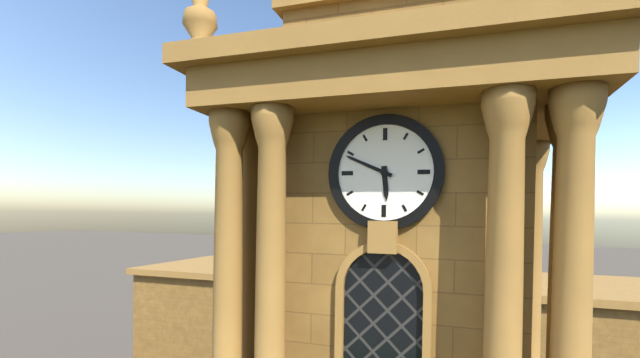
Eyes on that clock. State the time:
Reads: 5:49
